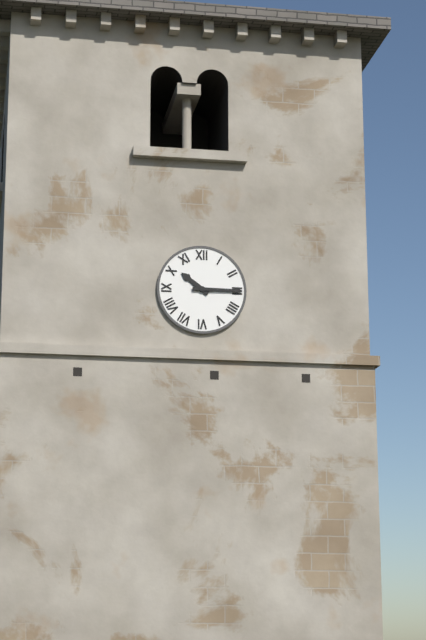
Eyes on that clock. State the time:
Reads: 10:15
